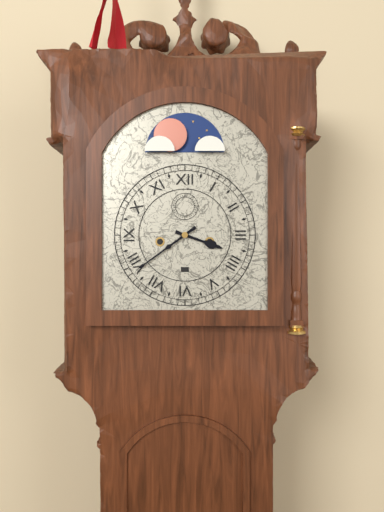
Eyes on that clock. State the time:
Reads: 3:39
